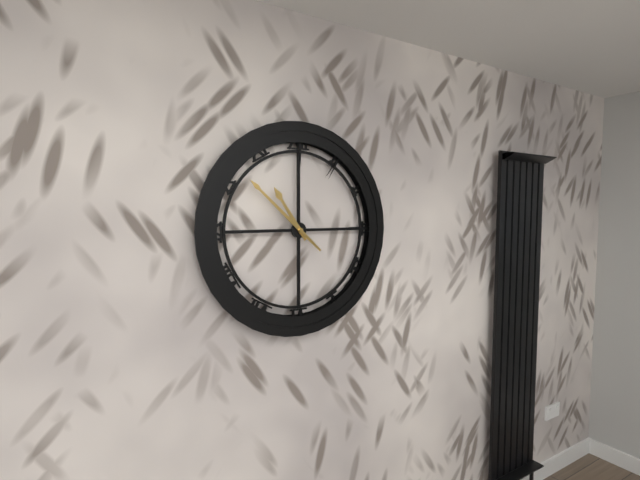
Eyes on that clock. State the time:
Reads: 10:52
